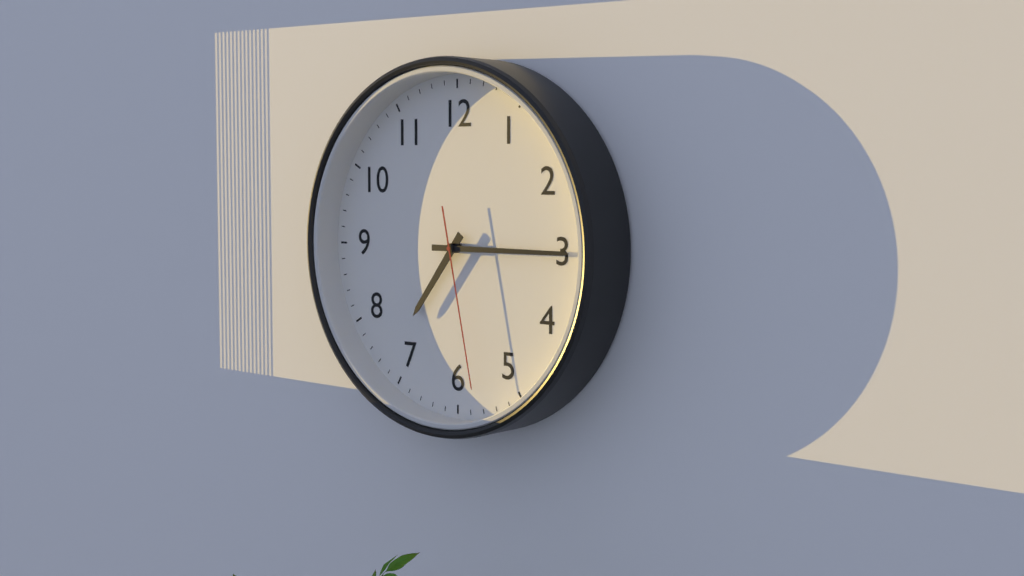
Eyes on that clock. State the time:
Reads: 7:15:28
